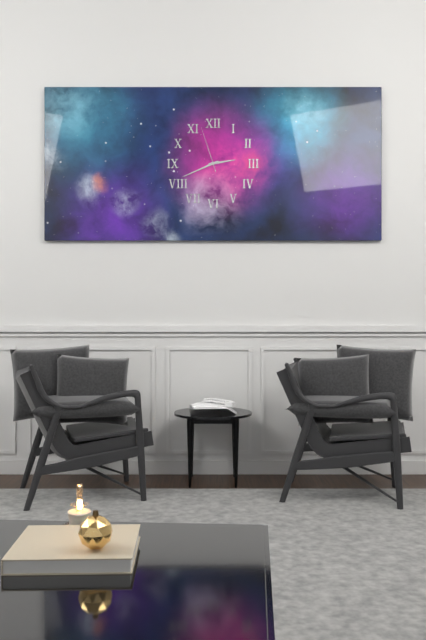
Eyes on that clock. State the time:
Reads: 2:41:57
